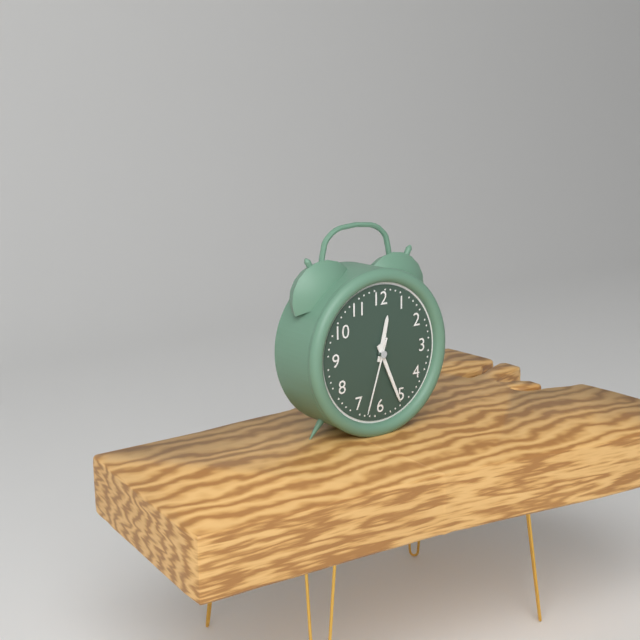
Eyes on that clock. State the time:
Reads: 12:26:33
